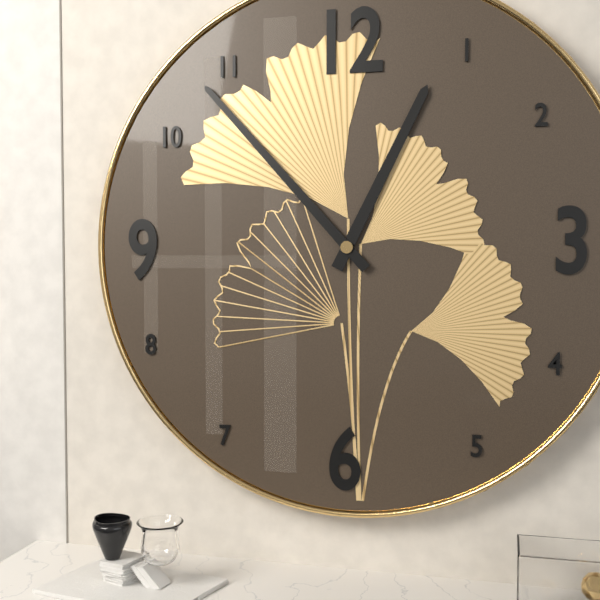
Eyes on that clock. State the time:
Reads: 12:53
